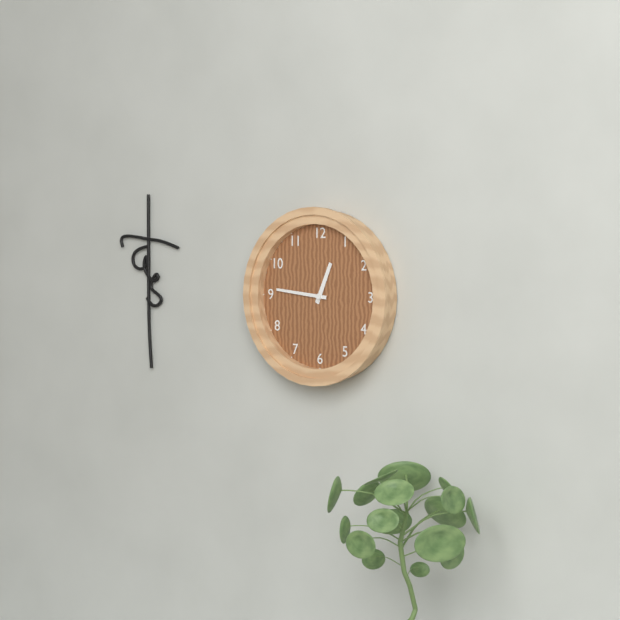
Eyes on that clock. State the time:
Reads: 12:46
